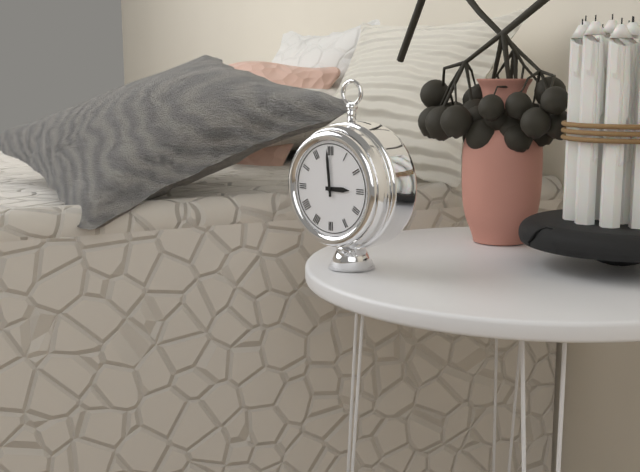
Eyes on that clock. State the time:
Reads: 2:59
